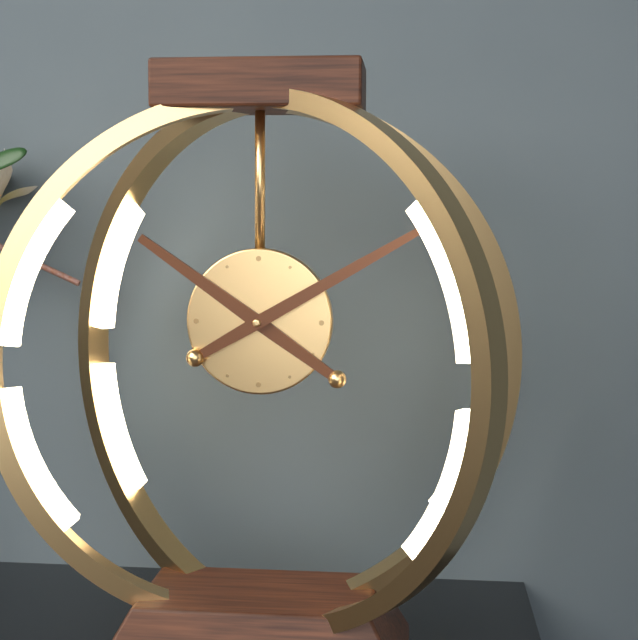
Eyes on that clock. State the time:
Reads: 10:10
